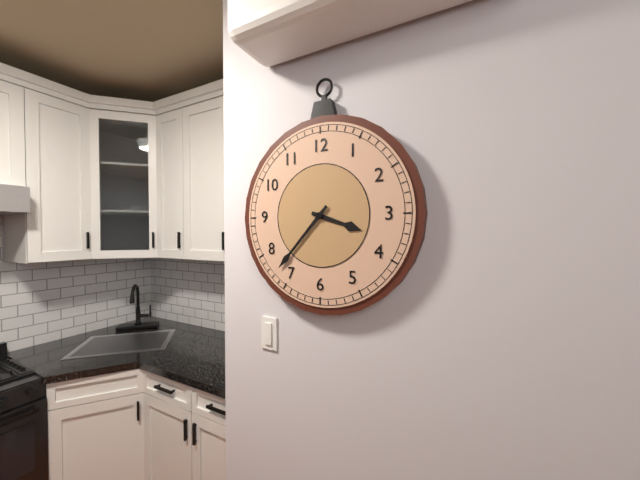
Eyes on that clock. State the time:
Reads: 3:37
